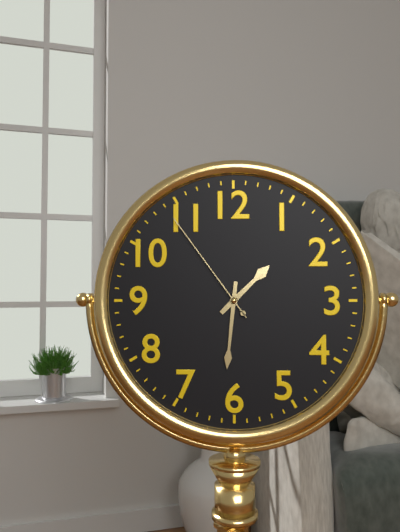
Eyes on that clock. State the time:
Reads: 1:31:54
